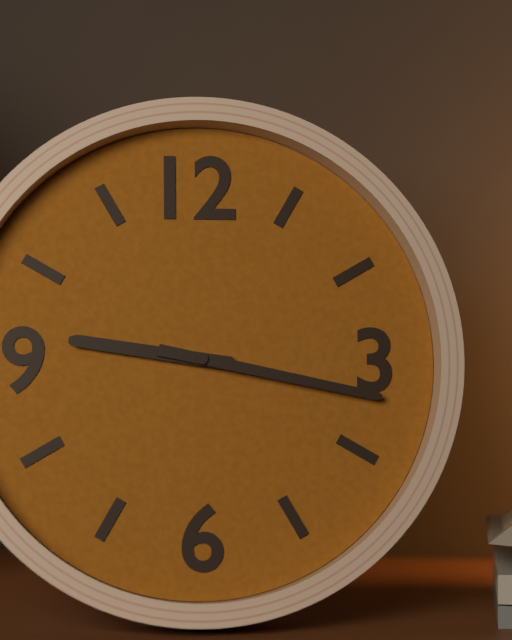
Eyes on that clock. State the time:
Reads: 9:17
